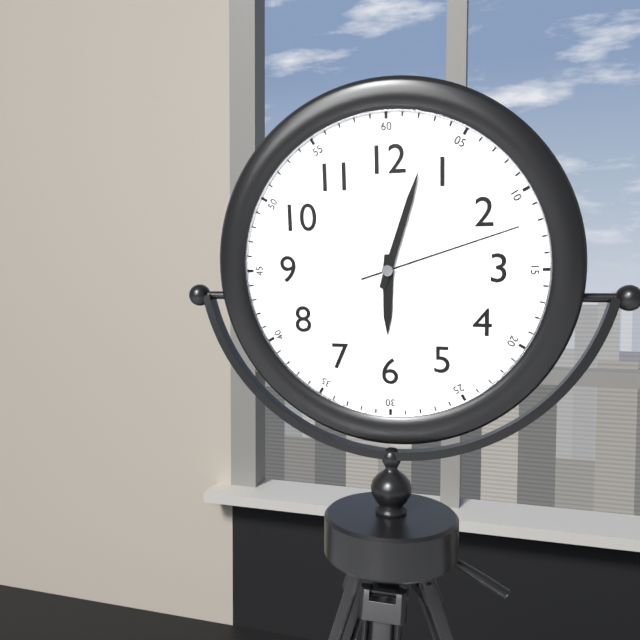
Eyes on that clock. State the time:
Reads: 6:03:12
